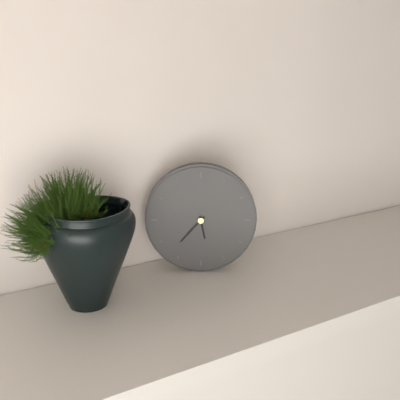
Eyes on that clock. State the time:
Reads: 5:37
